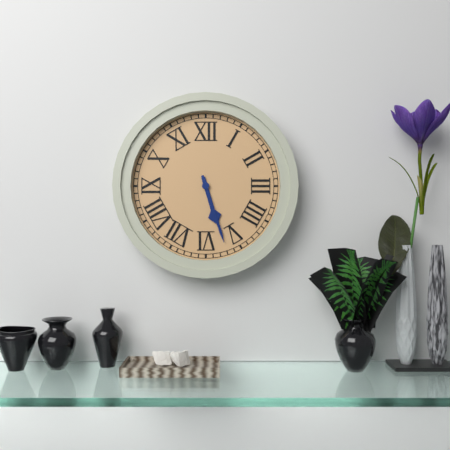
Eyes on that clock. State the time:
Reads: 5:27
